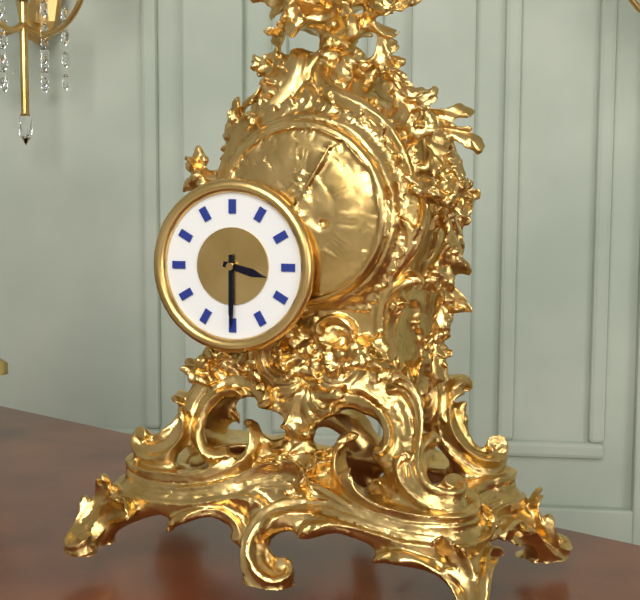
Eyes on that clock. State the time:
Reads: 3:30
